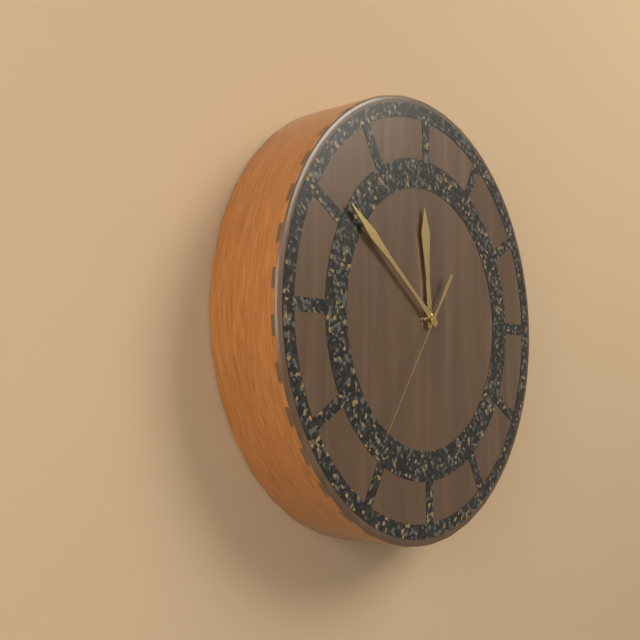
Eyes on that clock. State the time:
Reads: 11:51:36
